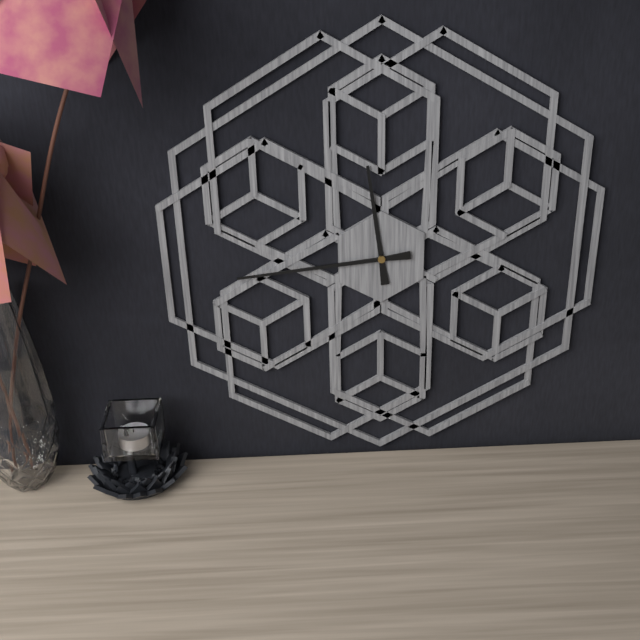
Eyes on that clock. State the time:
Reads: 11:44
